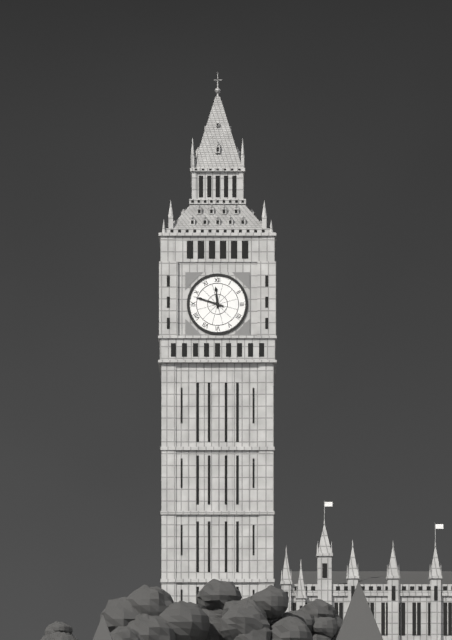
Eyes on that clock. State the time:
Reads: 11:48
